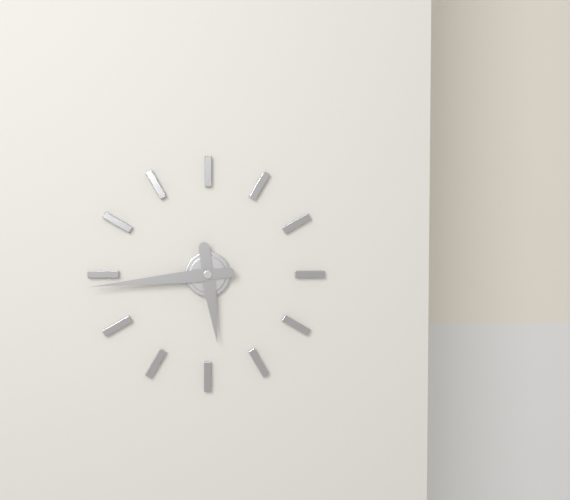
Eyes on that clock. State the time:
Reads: 5:44
